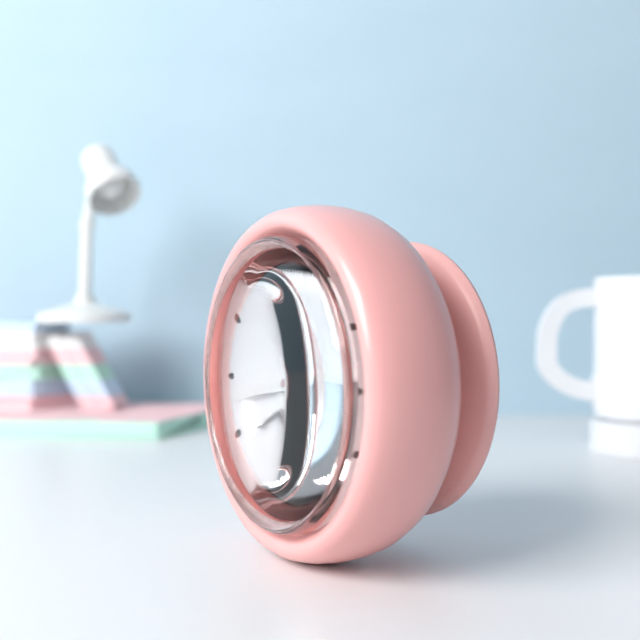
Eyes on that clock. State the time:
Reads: 7:43
